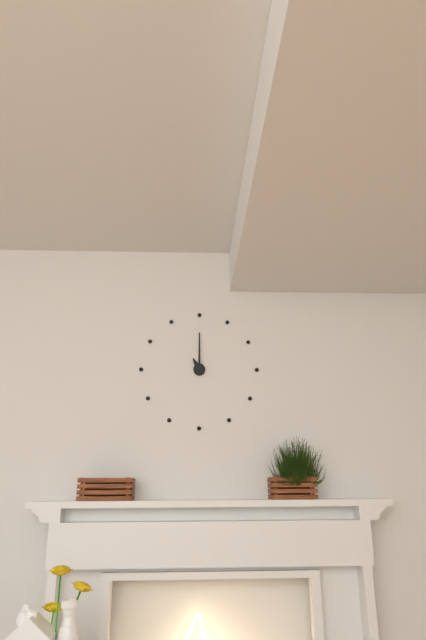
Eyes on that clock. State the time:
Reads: 11:00
